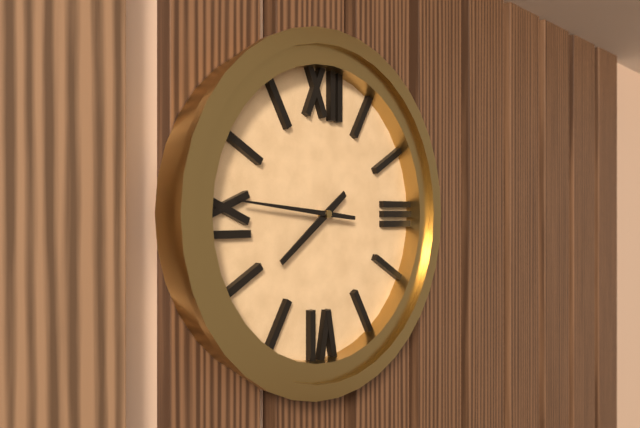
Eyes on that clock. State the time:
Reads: 7:46
